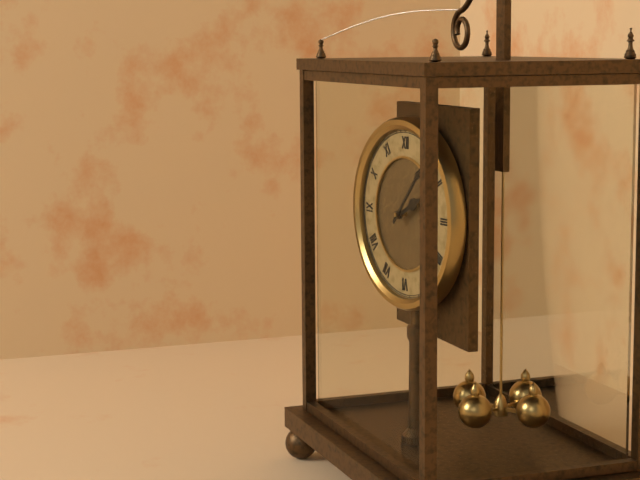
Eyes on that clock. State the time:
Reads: 2:07
